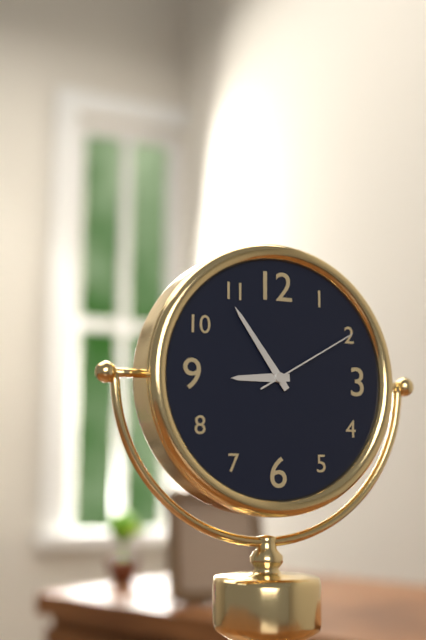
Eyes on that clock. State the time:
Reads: 8:54:10
